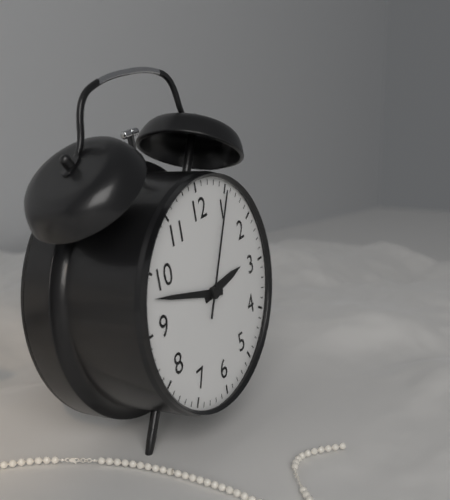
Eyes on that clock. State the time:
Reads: 2:48:05
